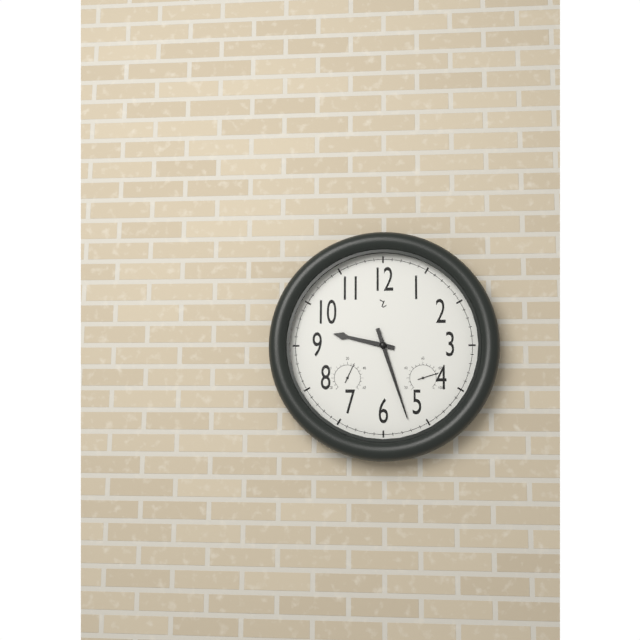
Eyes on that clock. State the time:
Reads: 9:27
